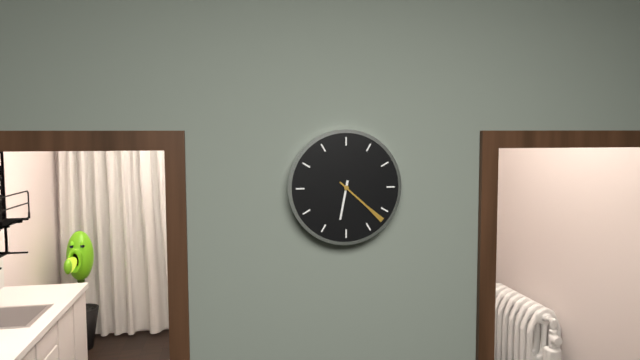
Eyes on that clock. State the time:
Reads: 6:22
